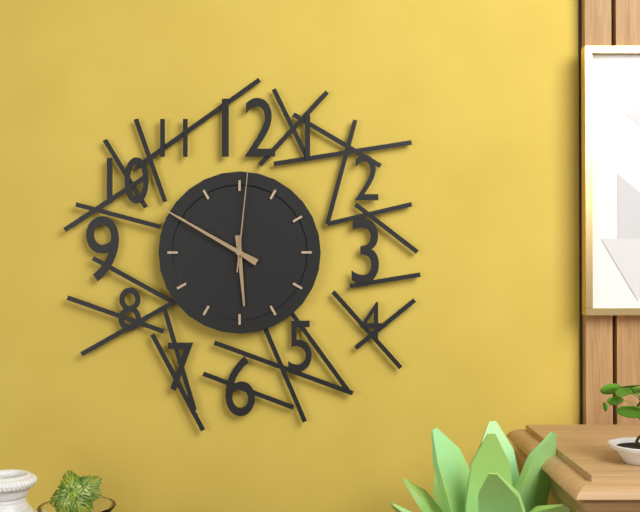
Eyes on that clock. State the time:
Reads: 5:50:01
